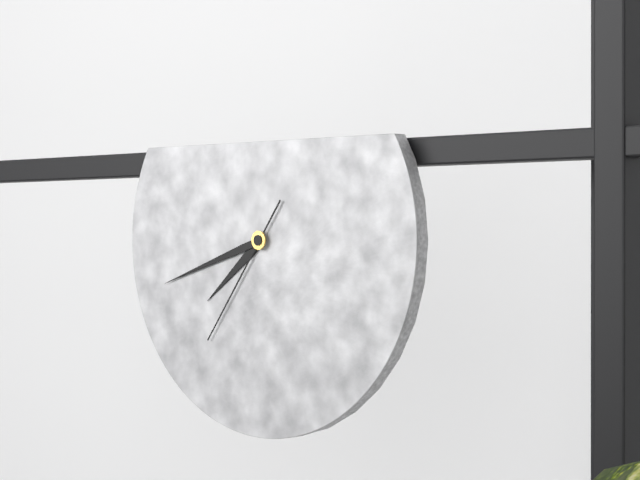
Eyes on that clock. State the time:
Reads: 7:42:36
